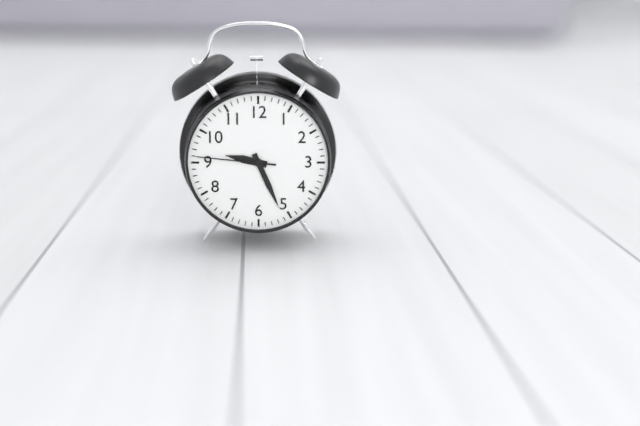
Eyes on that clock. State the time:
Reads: 9:26:46
